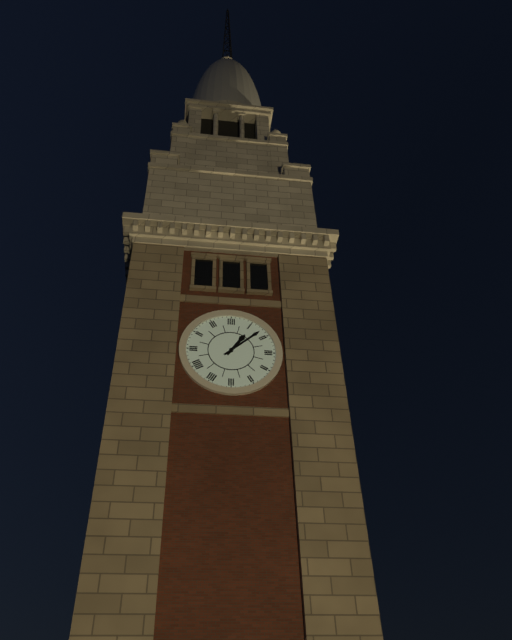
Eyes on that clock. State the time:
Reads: 1:08
